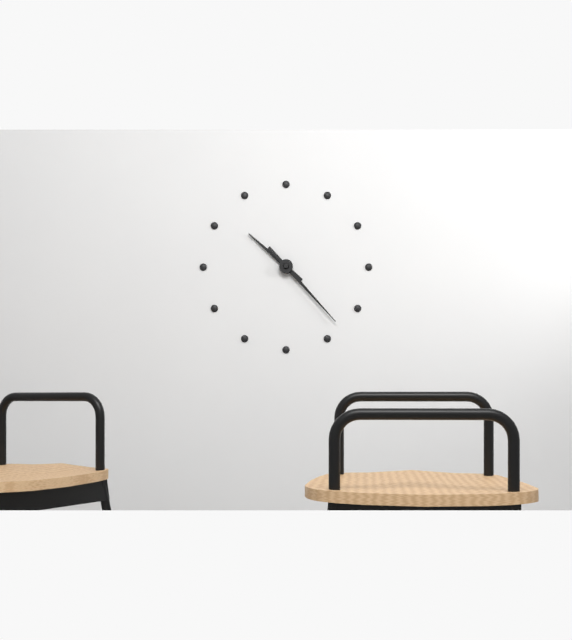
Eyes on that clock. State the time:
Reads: 10:23
